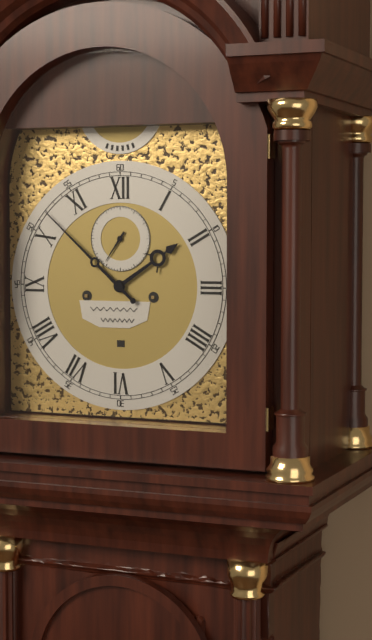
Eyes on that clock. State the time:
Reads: 1:52
